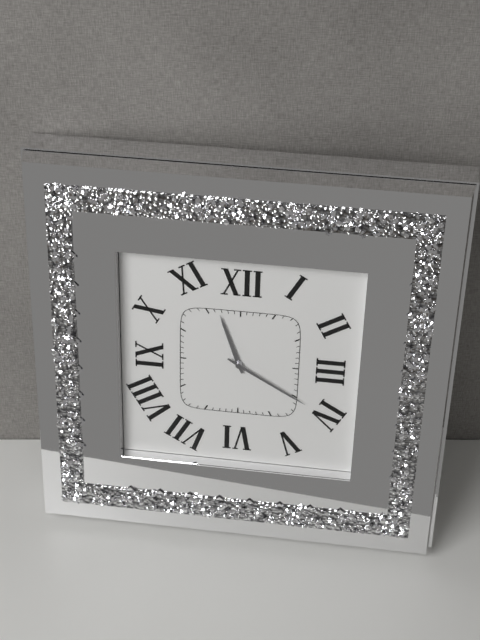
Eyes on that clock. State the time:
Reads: 11:20
